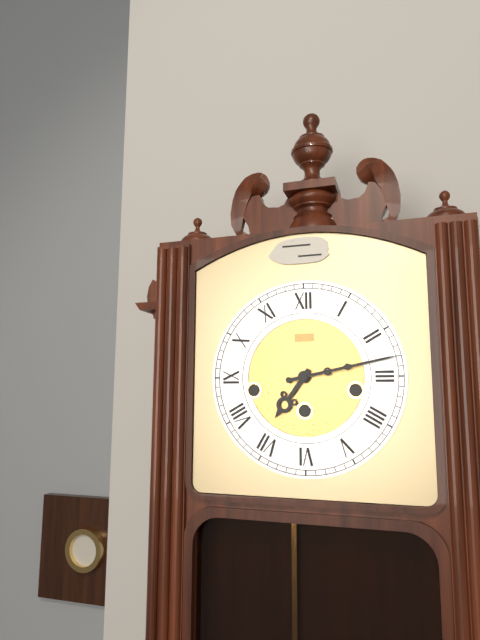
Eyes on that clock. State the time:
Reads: 7:13
